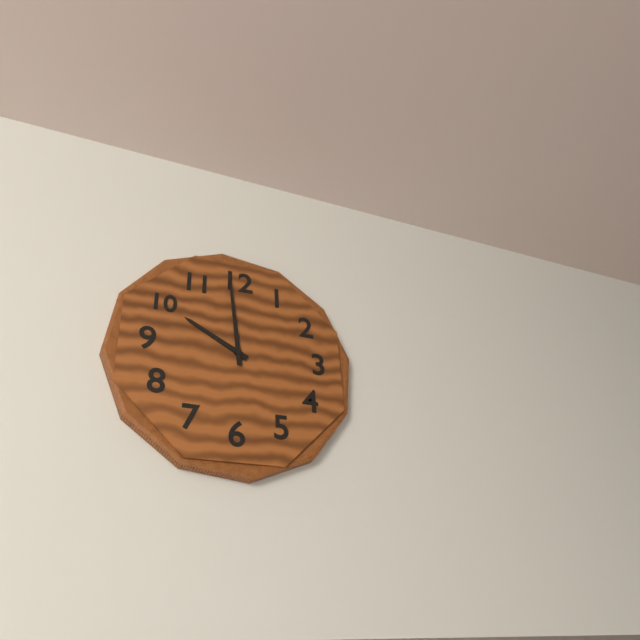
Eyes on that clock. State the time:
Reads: 9:59
